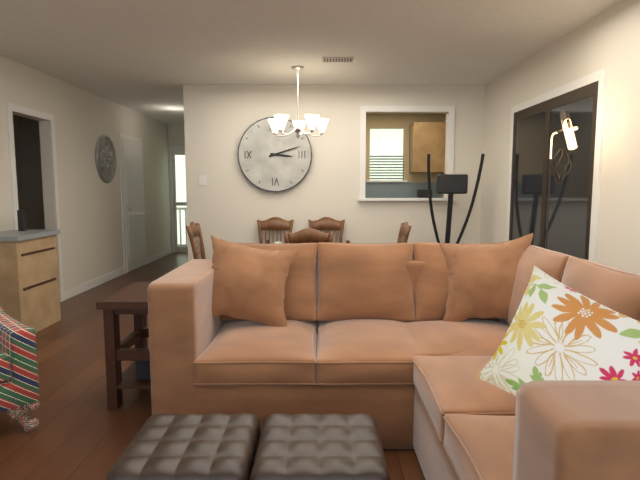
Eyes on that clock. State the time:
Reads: 3:12
